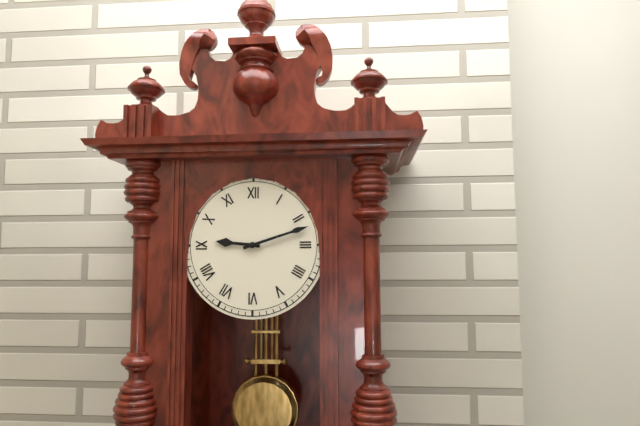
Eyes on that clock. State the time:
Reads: 9:12
